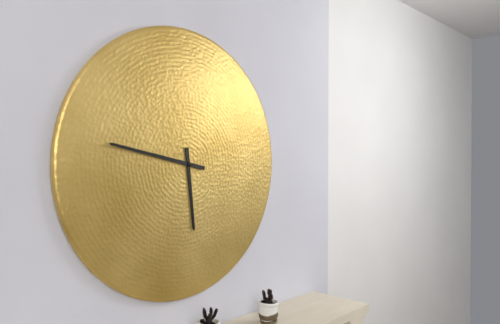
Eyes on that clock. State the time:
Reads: 5:47
